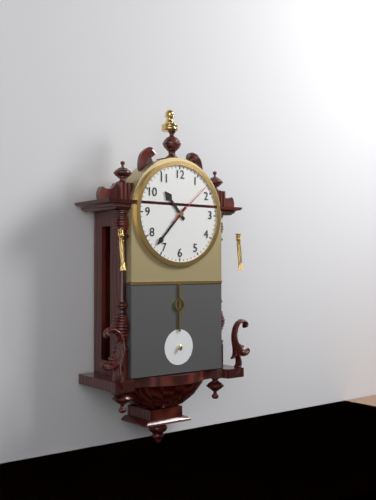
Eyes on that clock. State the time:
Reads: 10:37
